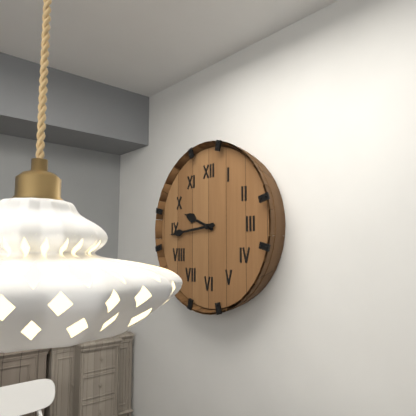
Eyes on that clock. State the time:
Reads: 9:44
